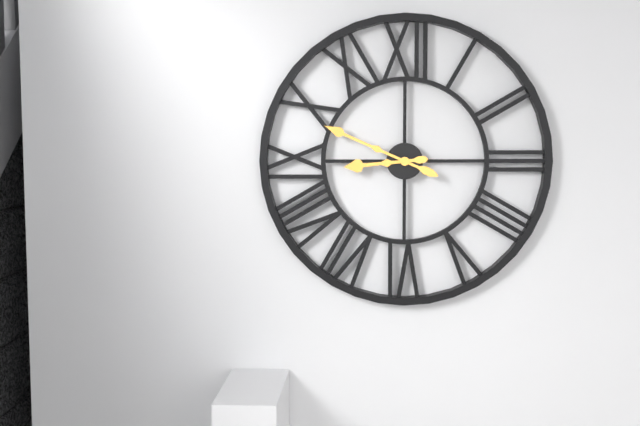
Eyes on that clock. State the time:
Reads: 8:49
